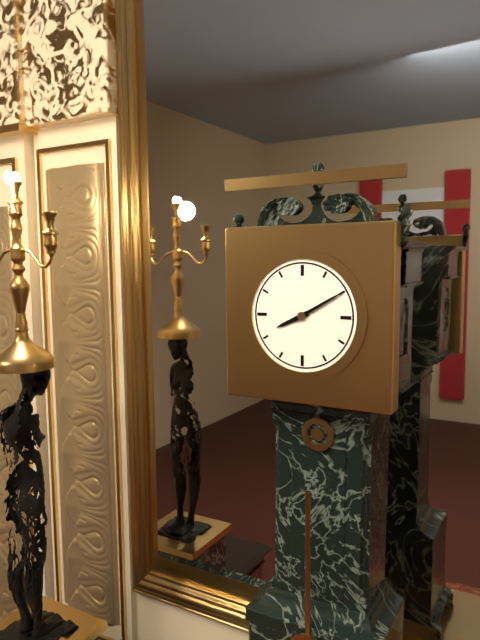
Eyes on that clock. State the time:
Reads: 8:10
